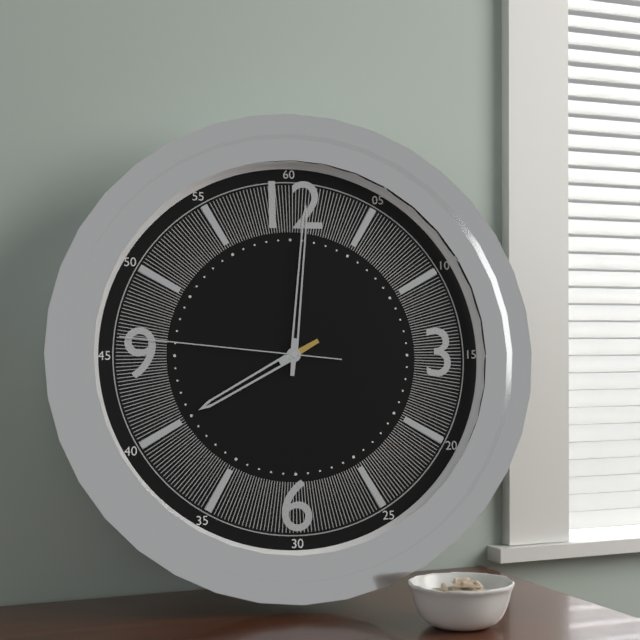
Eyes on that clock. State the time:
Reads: 8:01:46
